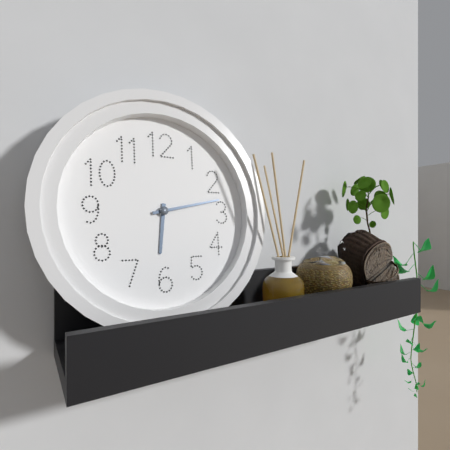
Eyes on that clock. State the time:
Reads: 6:13
